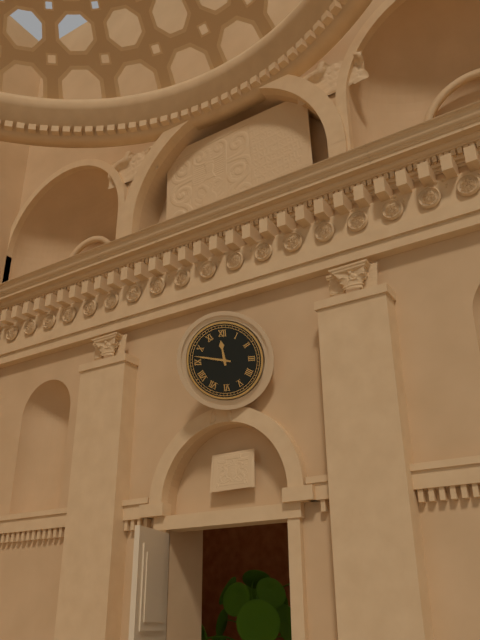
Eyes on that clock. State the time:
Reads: 11:47
